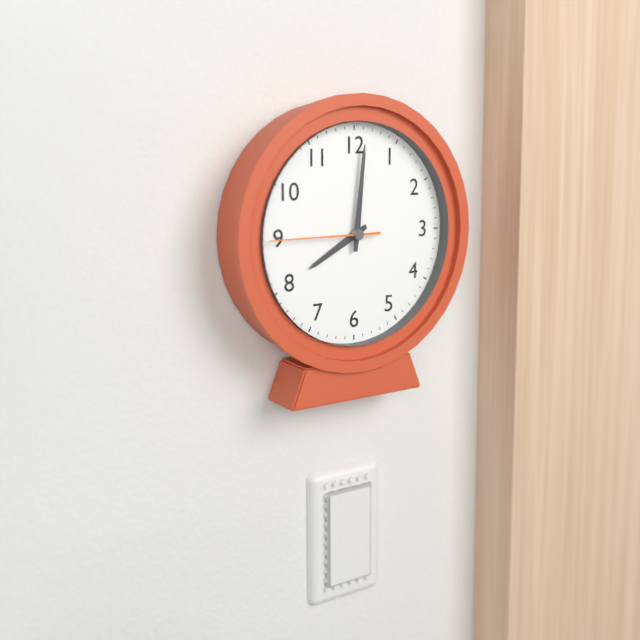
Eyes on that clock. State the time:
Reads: 8:01:45
